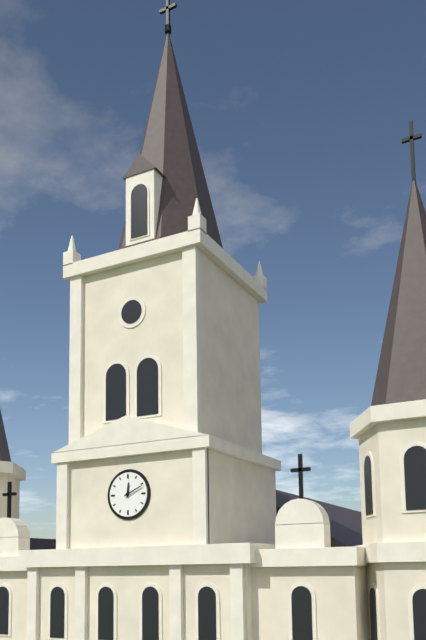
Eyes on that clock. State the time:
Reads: 12:11
